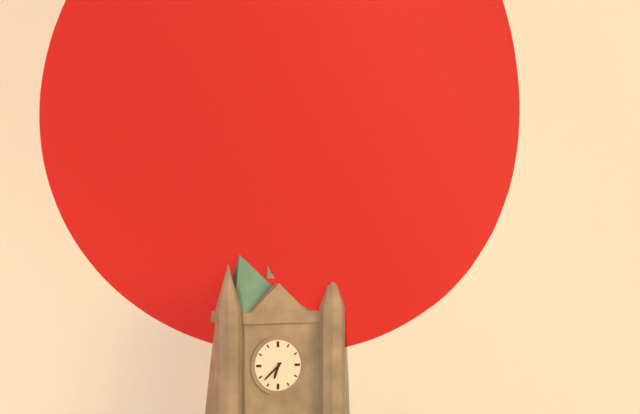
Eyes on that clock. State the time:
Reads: 6:38
